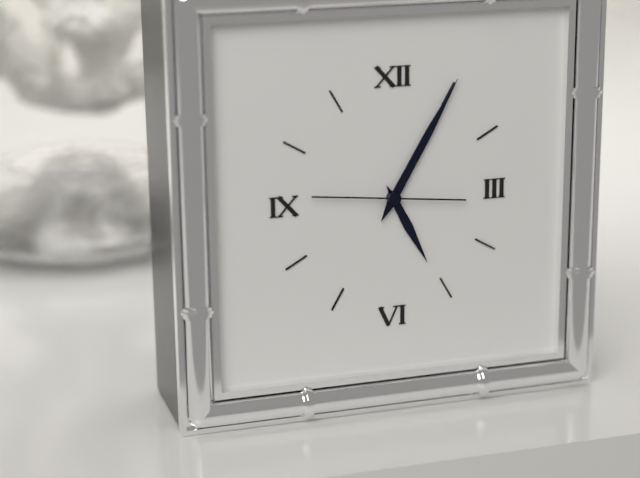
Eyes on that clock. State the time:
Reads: 5:05:46
